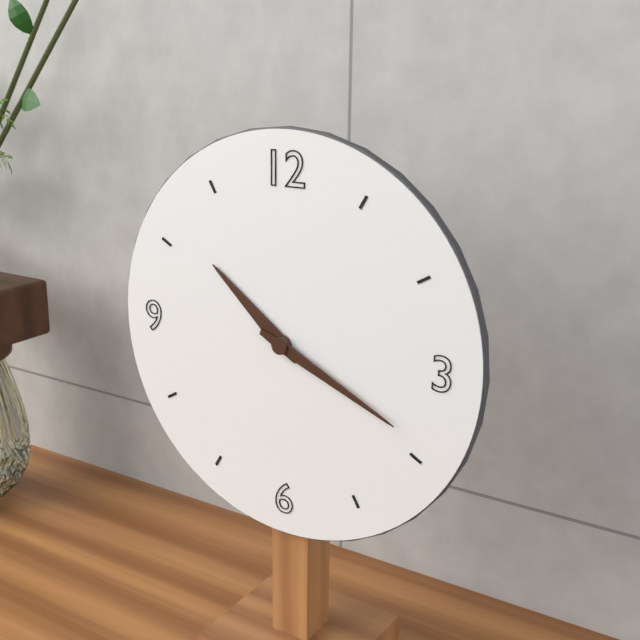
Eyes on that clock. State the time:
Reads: 10:19
